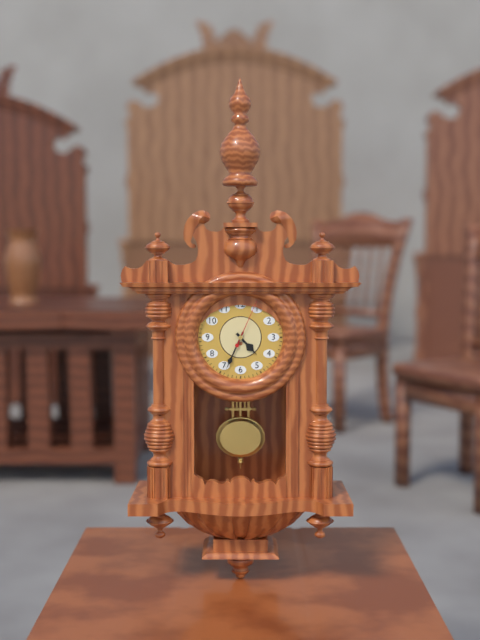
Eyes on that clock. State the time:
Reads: 4:34
